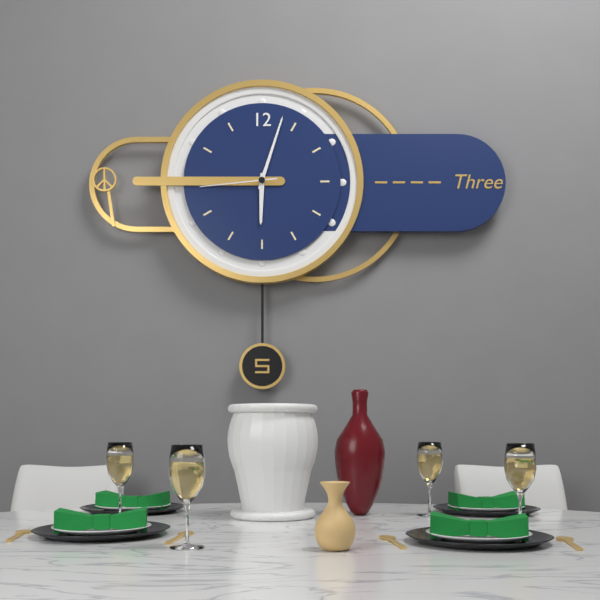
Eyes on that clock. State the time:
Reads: 6:03:44
